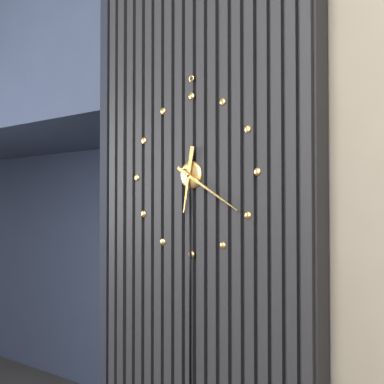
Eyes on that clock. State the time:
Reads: 6:20
